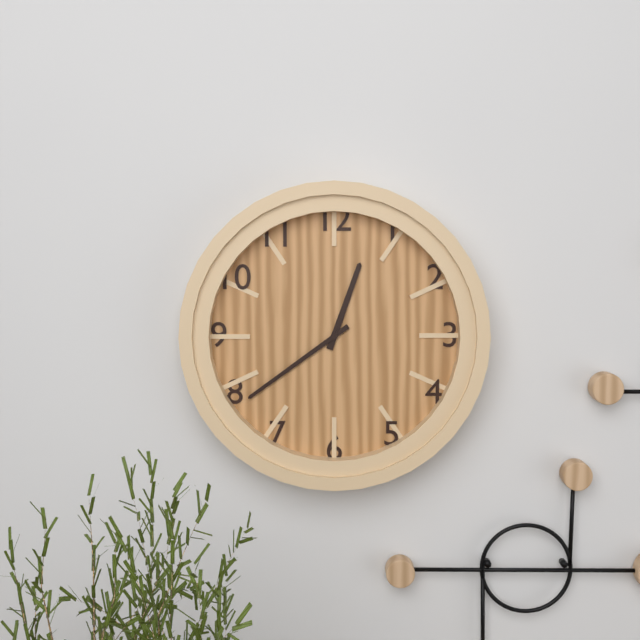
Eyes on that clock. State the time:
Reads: 12:39
